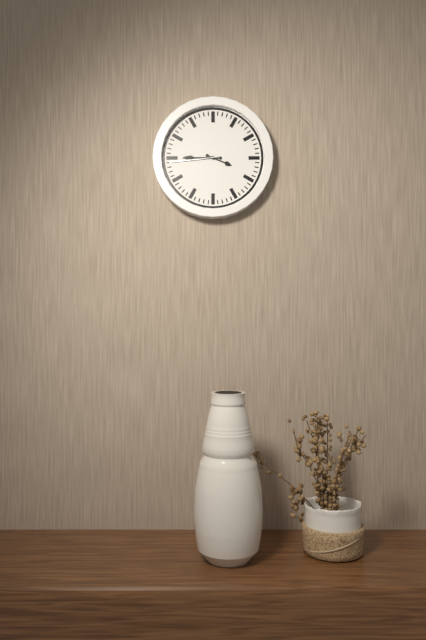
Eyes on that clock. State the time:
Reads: 3:45:44
